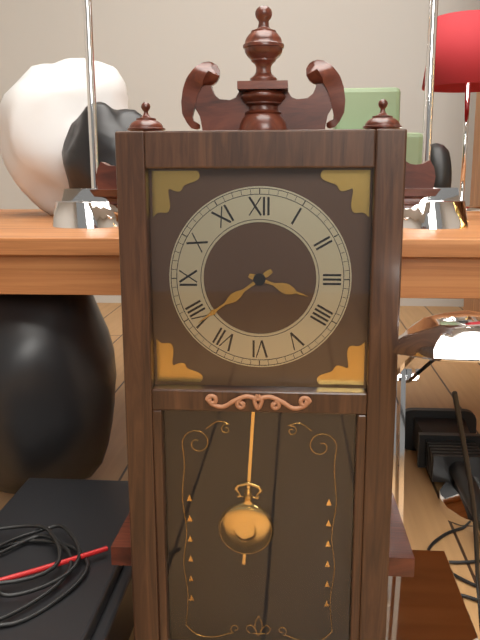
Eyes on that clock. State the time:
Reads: 3:39
